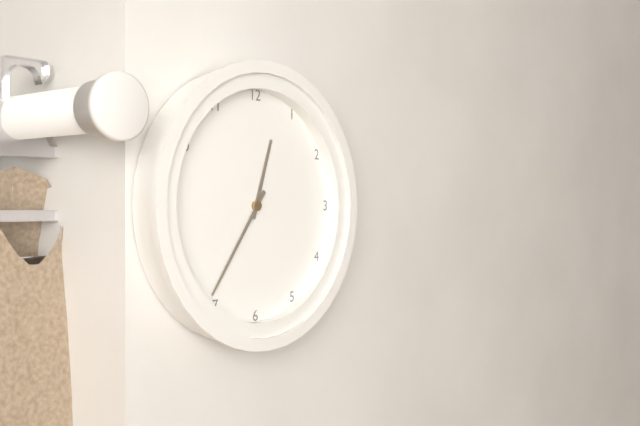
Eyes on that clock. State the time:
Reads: 12:36
